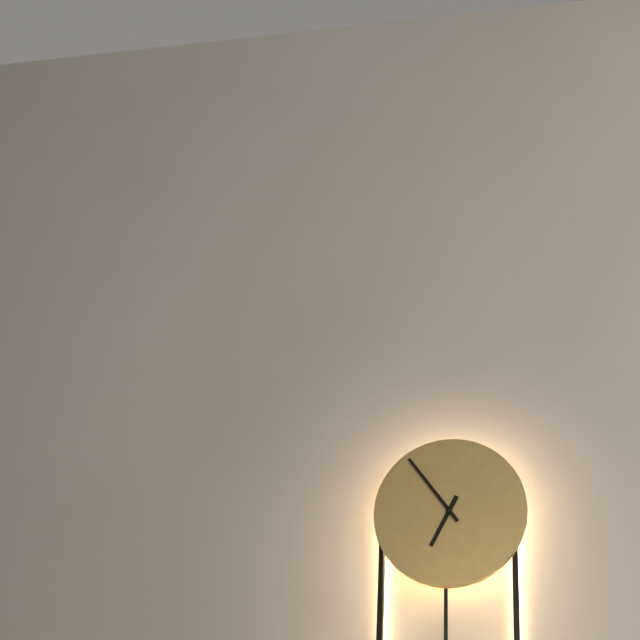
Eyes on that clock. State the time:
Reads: 6:54
